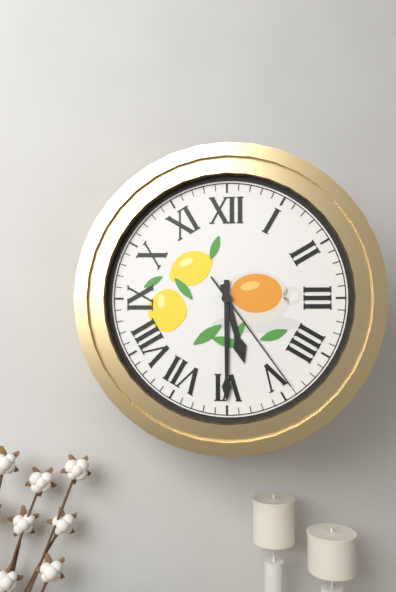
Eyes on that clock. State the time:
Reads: 5:30:24
